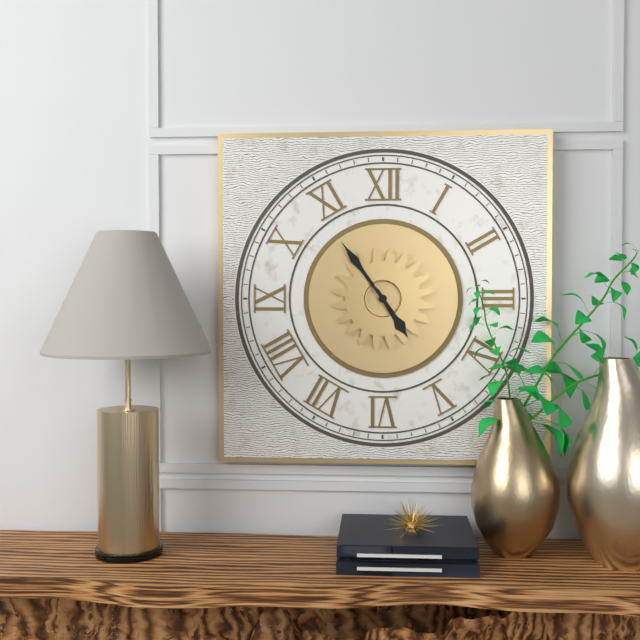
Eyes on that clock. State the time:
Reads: 4:54
